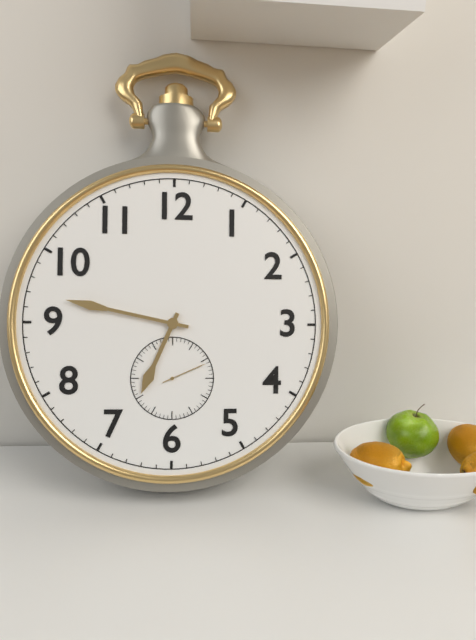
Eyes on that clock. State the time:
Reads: 6:47
